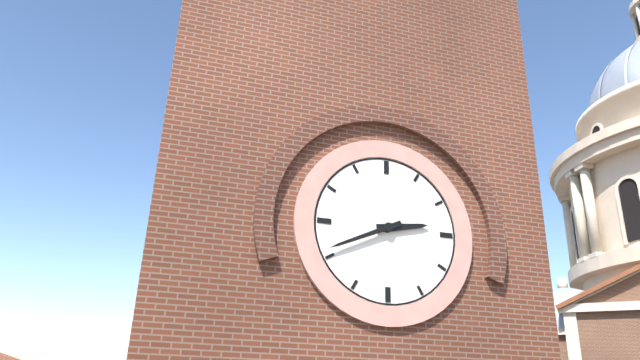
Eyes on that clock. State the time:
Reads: 2:41
